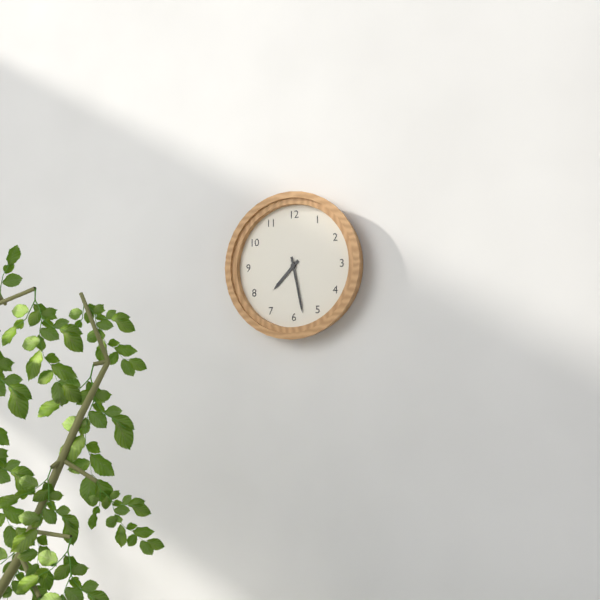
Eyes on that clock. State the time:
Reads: 7:28
